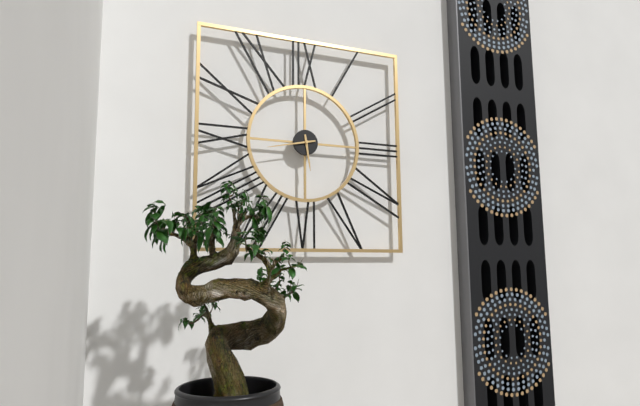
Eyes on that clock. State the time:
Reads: 5:43
